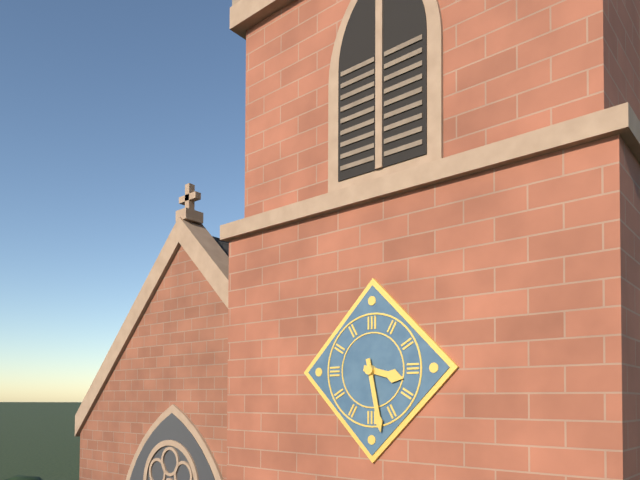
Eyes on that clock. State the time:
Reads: 3:28
